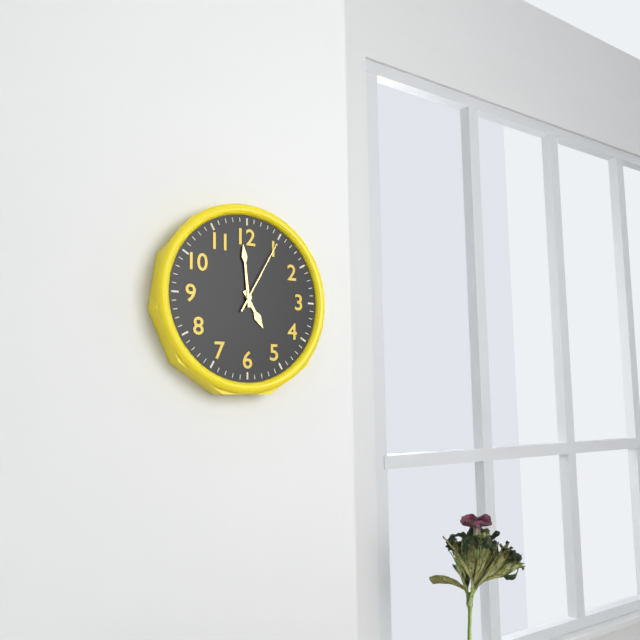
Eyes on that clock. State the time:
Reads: 4:59:05
